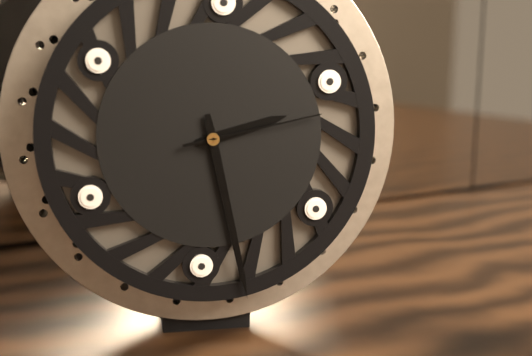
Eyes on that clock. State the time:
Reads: 2:28:13
